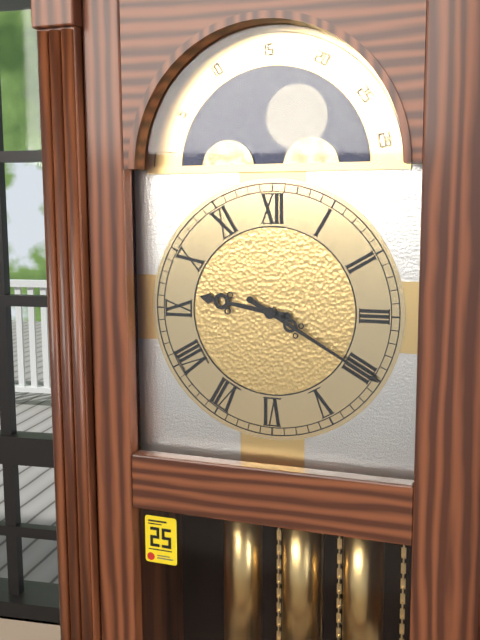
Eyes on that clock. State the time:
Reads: 9:20
